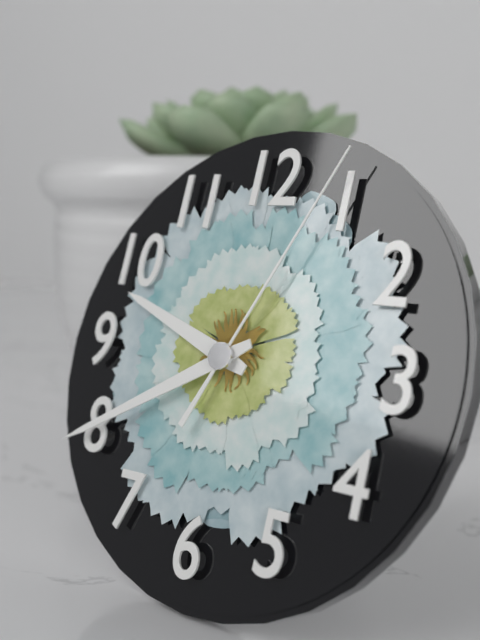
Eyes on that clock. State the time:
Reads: 9:40:04
